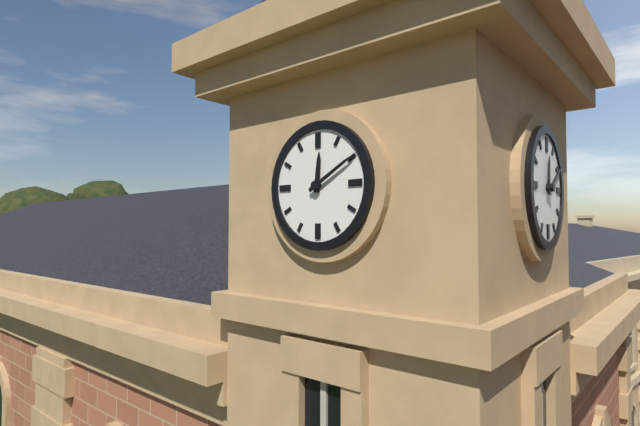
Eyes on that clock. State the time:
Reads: 12:10
